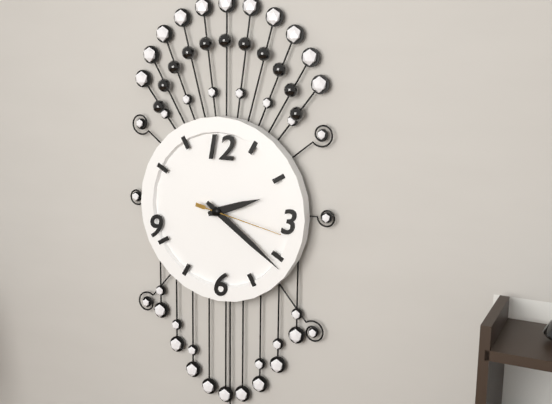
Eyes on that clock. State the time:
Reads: 2:21:17
